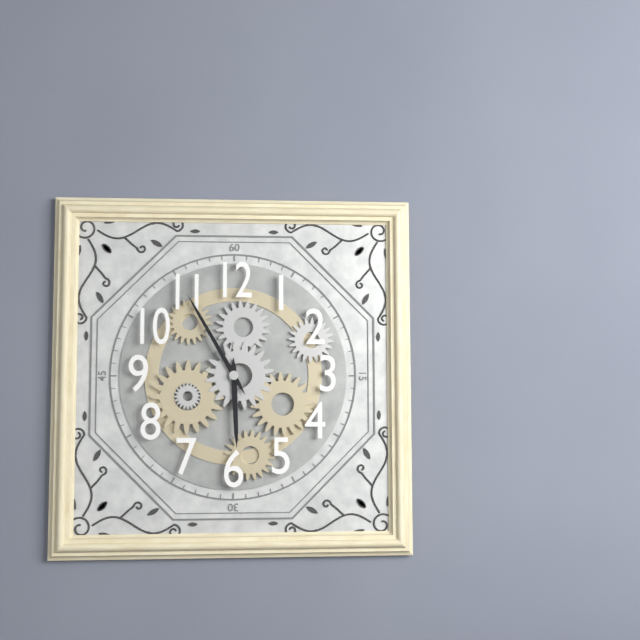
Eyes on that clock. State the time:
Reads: 5:55
